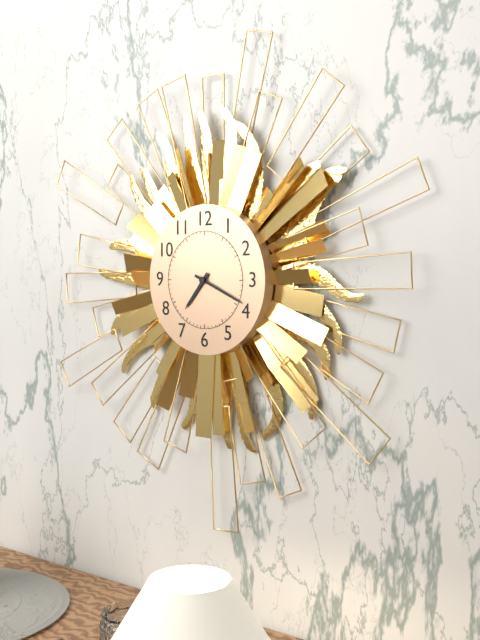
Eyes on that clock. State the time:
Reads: 7:19
